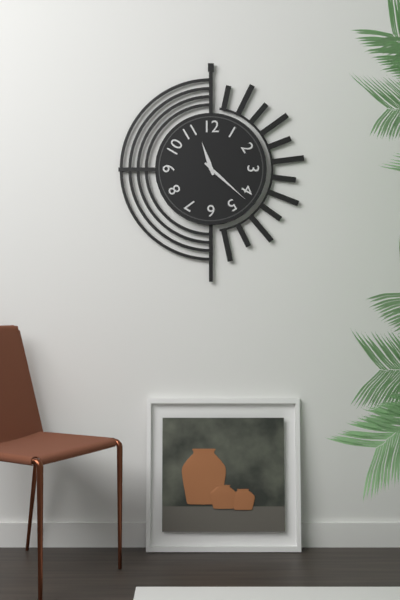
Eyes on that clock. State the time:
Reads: 11:22
